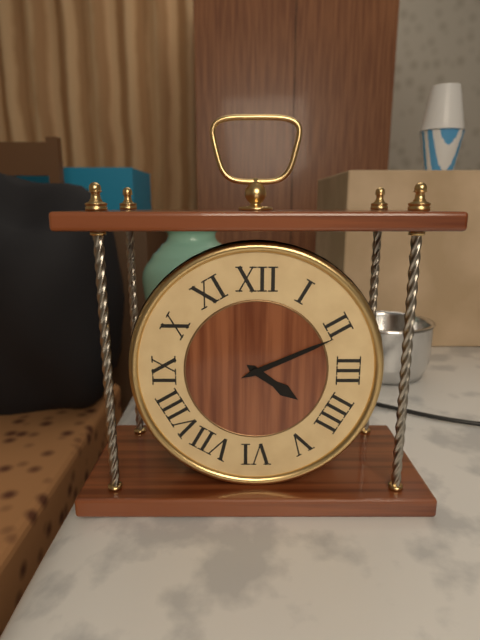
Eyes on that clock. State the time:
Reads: 4:11
